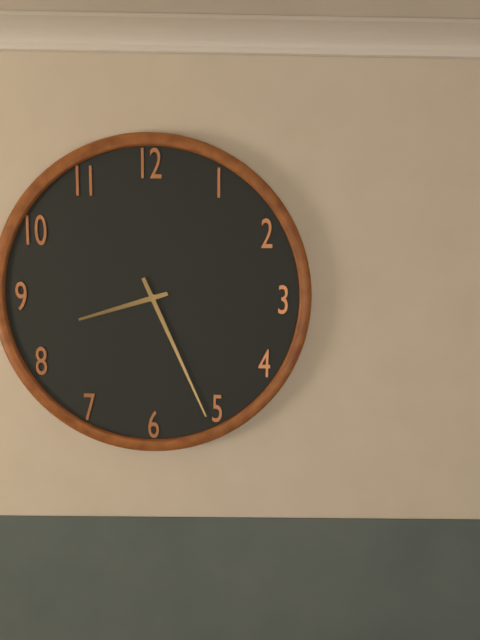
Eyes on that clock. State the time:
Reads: 8:26
